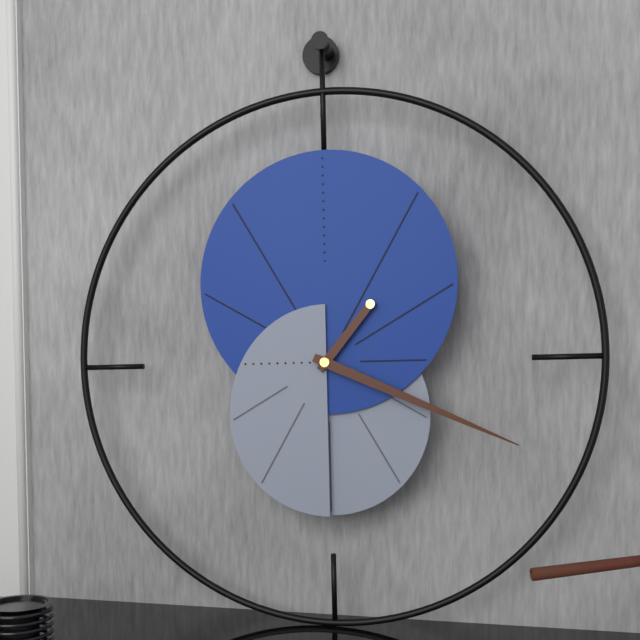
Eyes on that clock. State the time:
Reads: 1:19
